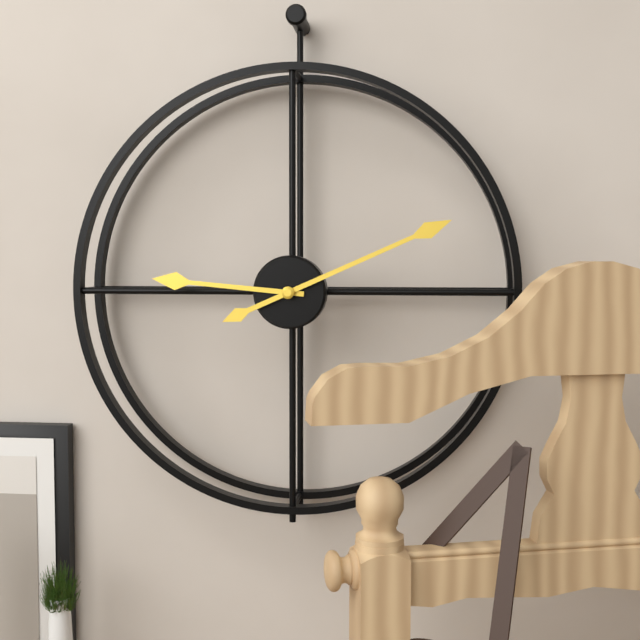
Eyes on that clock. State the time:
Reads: 9:11
